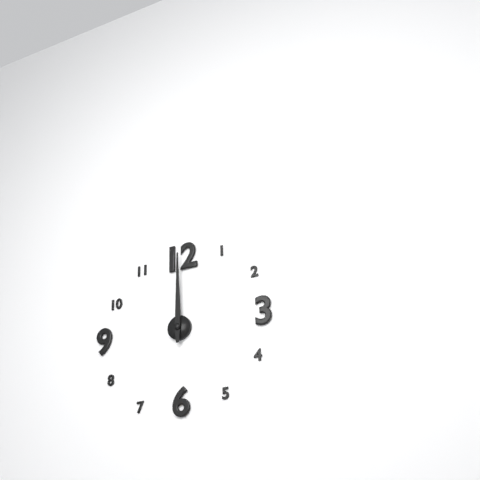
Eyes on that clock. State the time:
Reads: 12:00
